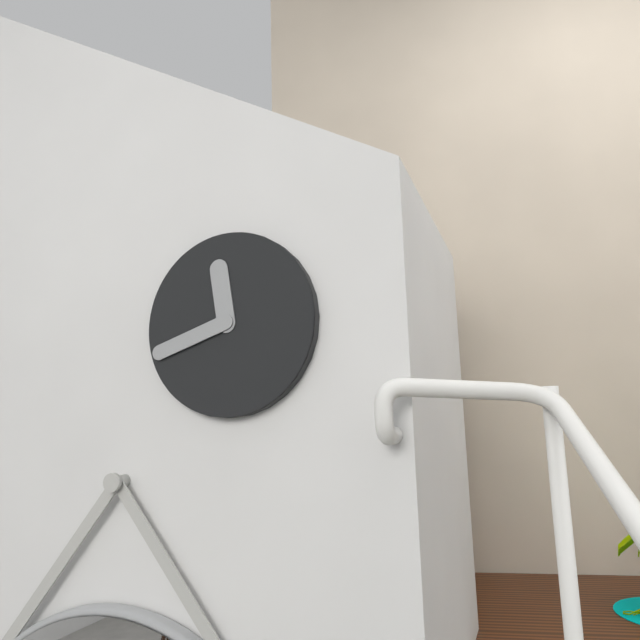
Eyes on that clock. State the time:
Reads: 11:42
